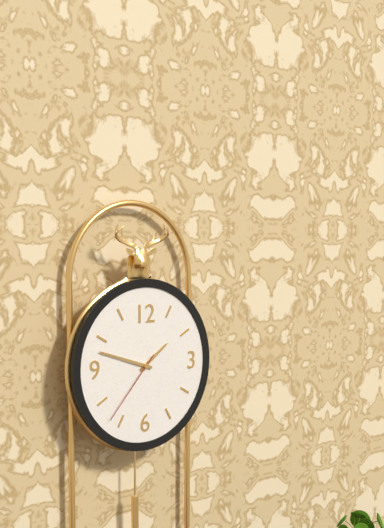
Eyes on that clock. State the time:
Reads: 1:48:37
